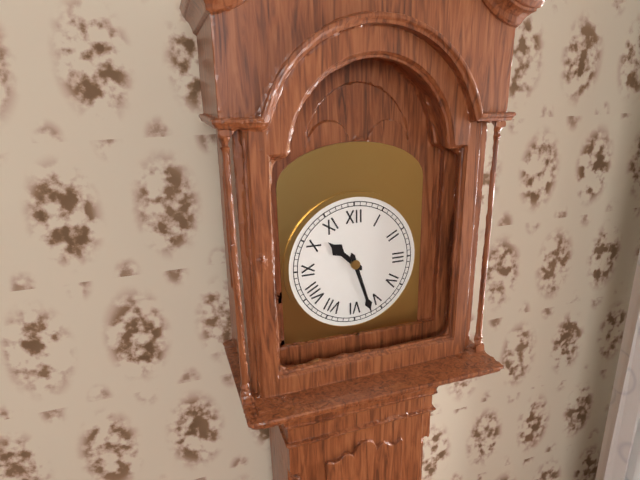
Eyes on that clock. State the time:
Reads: 10:27
